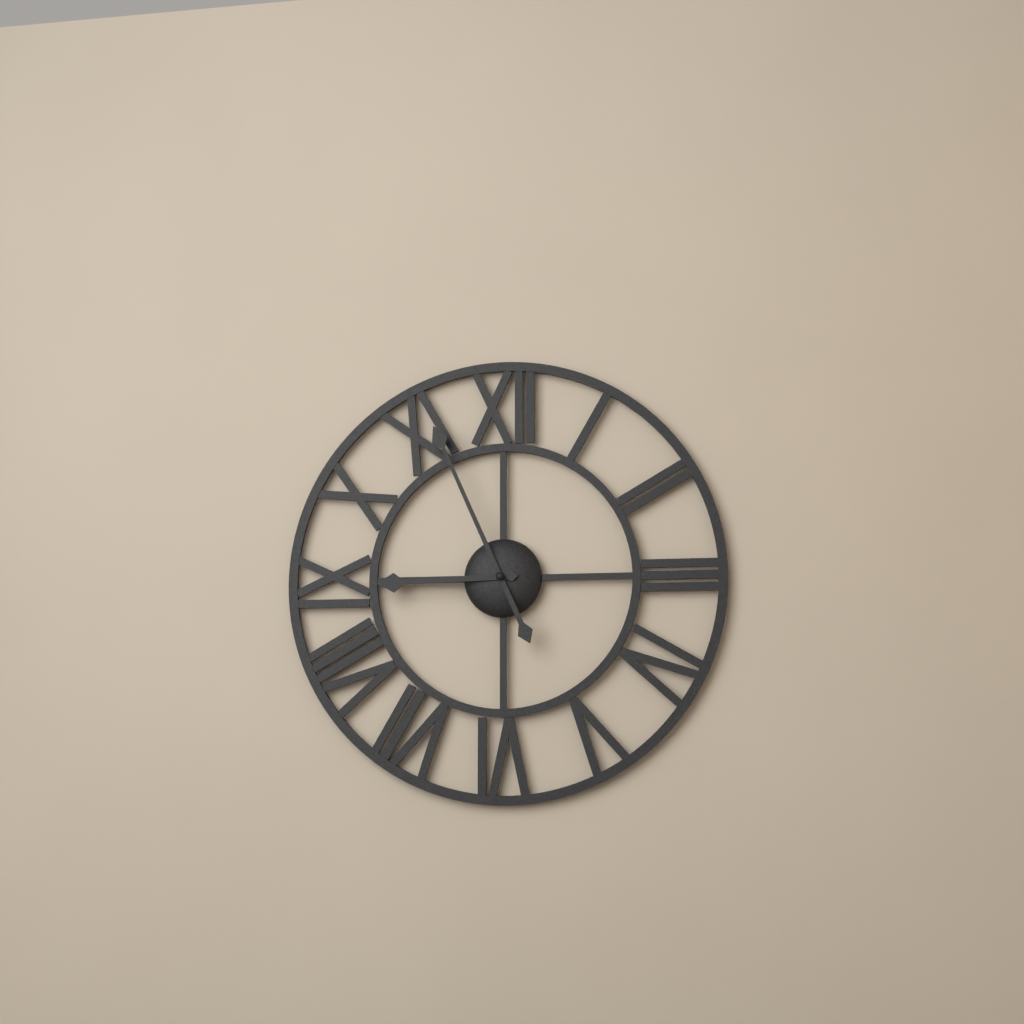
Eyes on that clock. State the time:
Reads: 8:56
